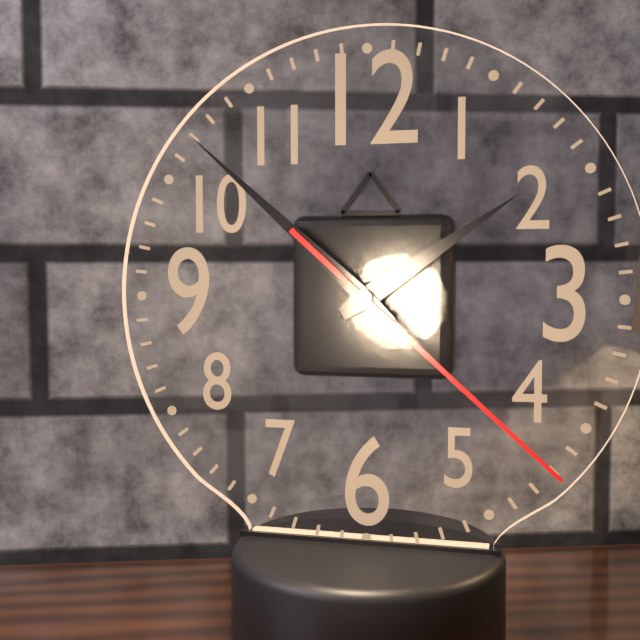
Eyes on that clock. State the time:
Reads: 1:52:22
